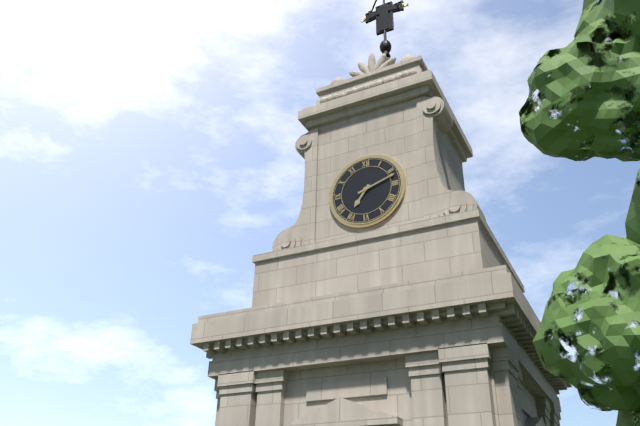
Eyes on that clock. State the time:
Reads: 7:12
